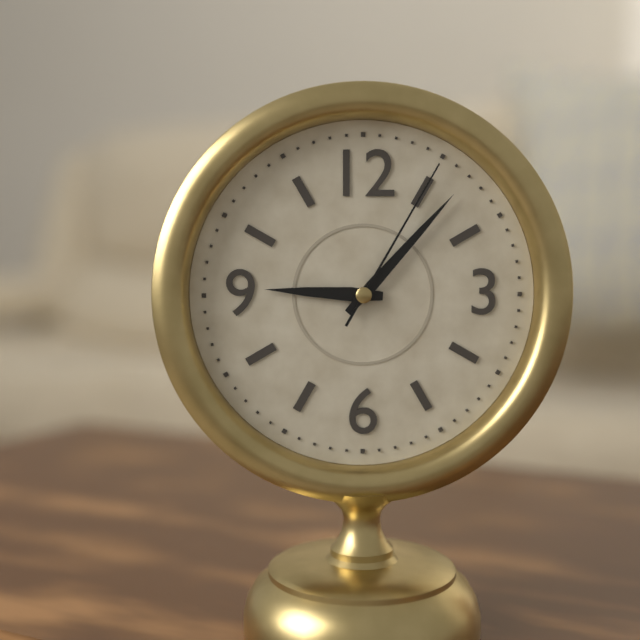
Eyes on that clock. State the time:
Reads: 9:07:05
